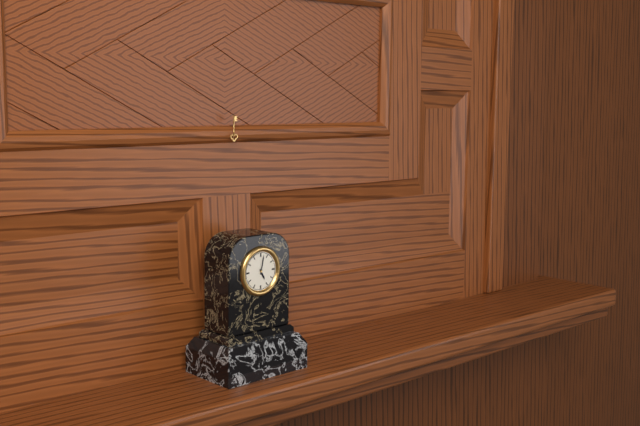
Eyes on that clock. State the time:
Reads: 5:02
